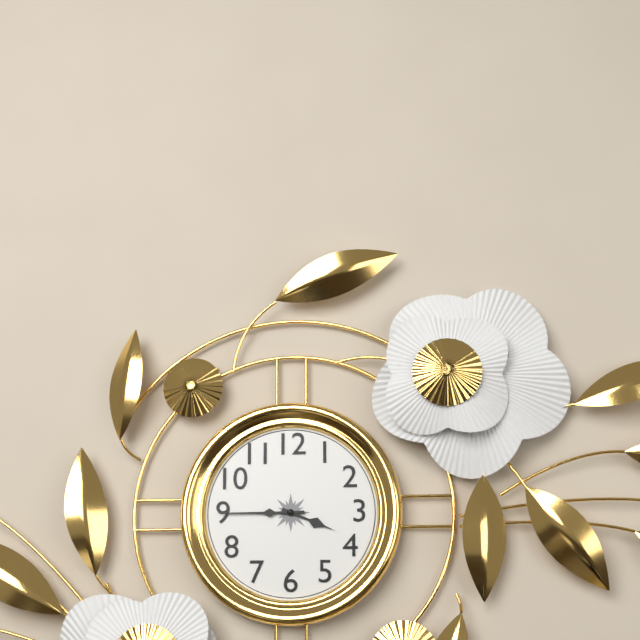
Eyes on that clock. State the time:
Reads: 3:45
